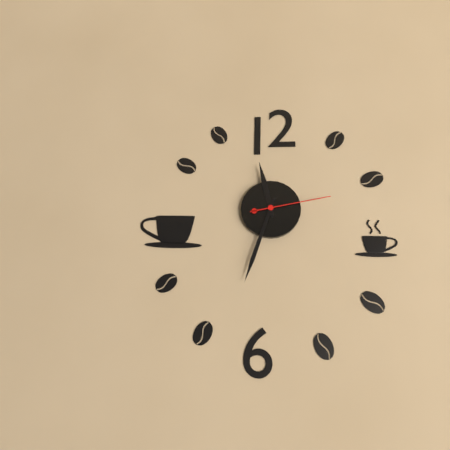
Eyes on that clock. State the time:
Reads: 11:33:13
